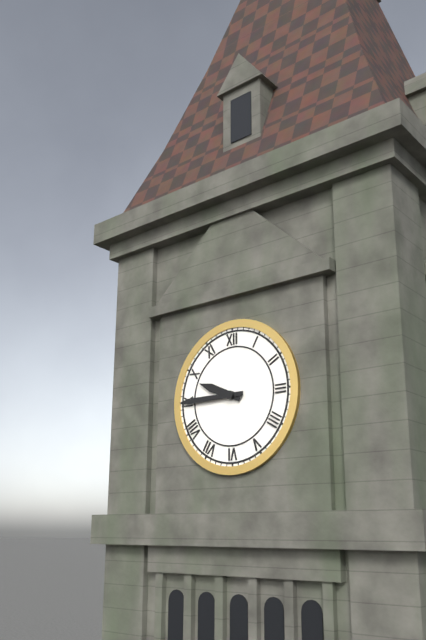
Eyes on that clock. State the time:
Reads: 9:45
